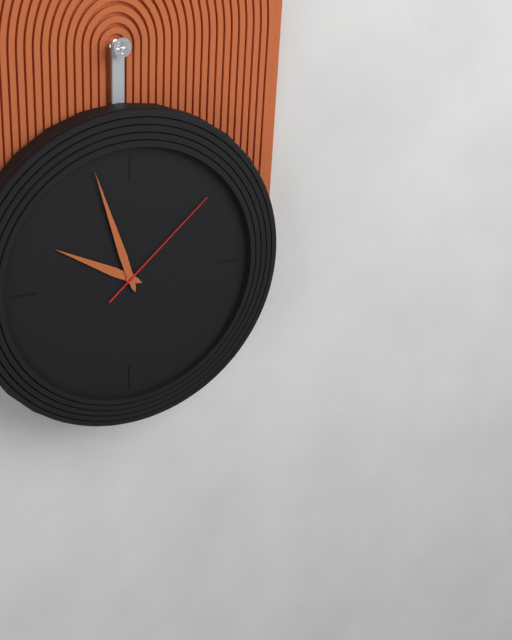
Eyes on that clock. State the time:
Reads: 9:57:08
